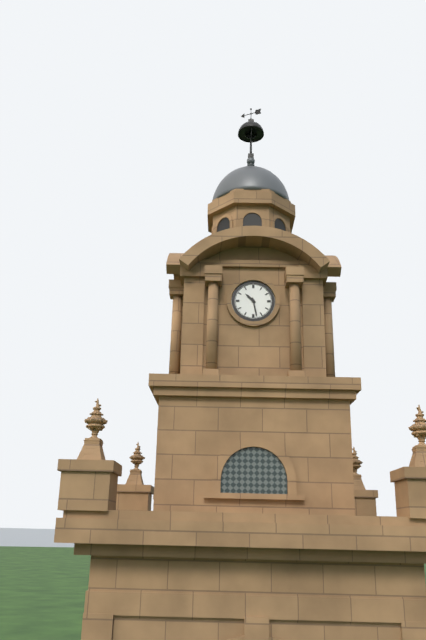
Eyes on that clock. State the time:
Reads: 10:28
